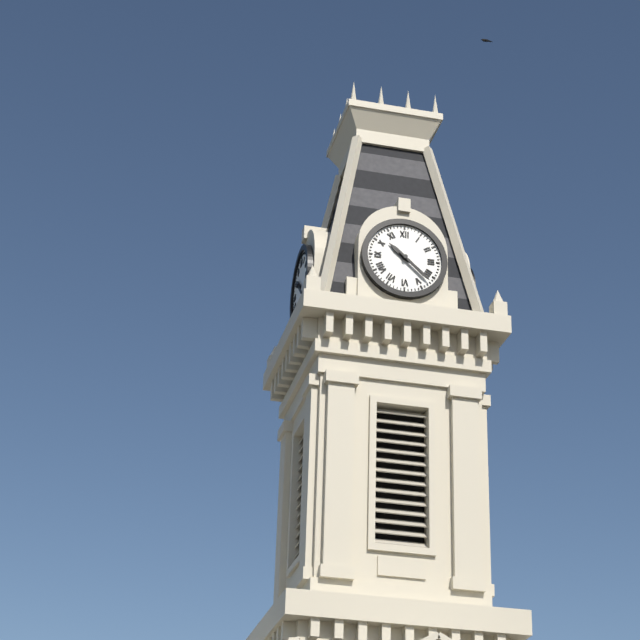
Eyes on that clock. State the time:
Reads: 10:22
